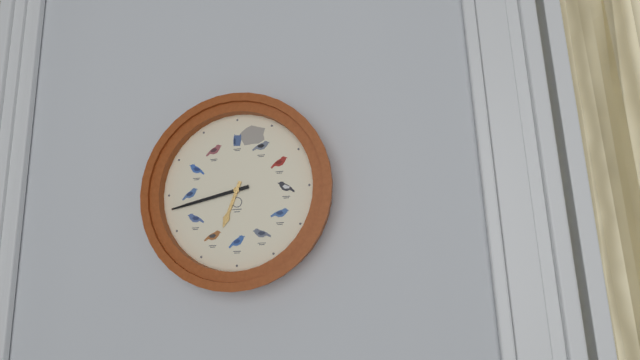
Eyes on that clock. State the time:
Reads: 6:43
